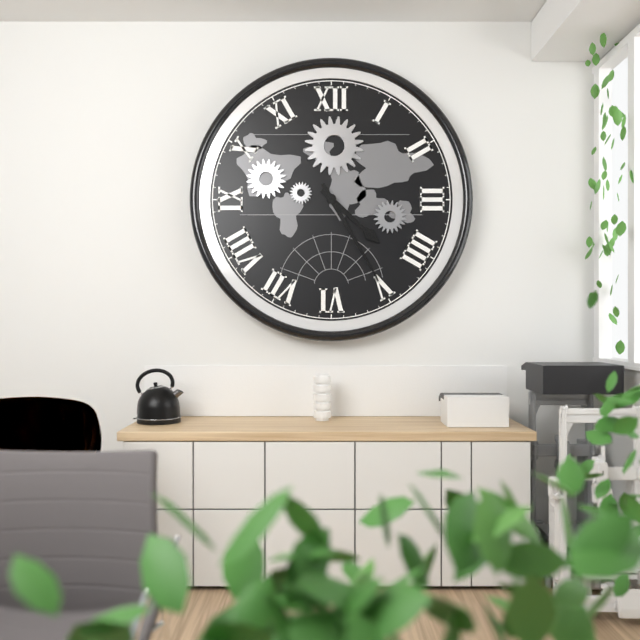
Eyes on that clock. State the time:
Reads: 4:25
